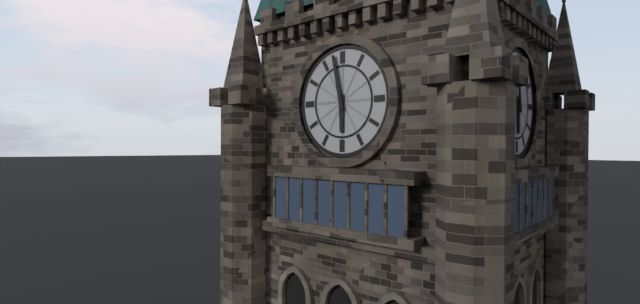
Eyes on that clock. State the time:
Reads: 5:58
